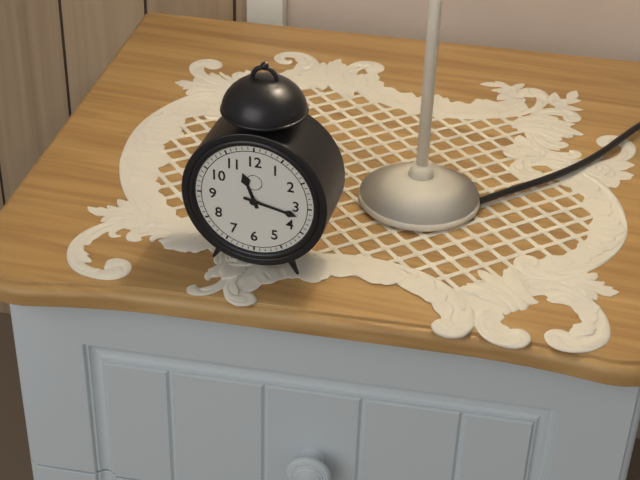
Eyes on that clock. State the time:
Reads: 11:17
